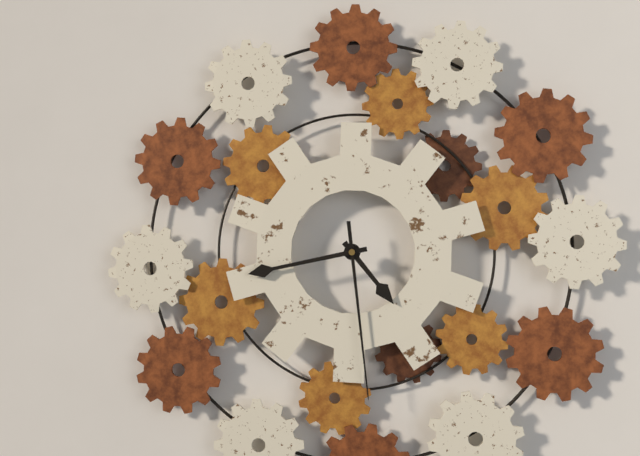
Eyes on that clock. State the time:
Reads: 4:43:29
